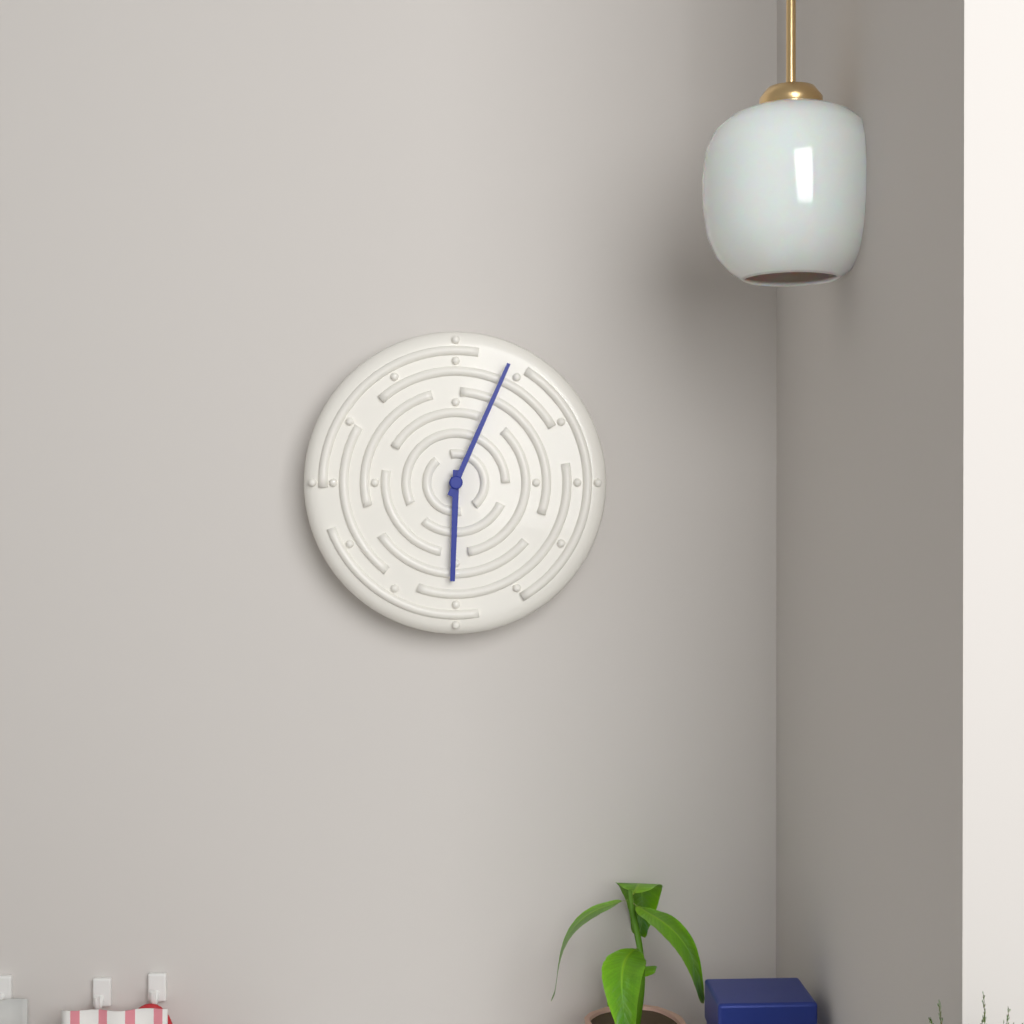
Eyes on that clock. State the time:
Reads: 6:04
